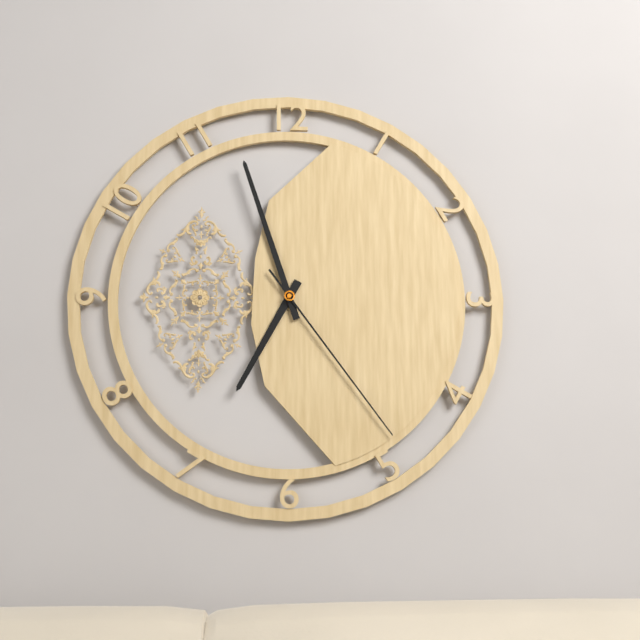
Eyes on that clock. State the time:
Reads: 6:57:24
